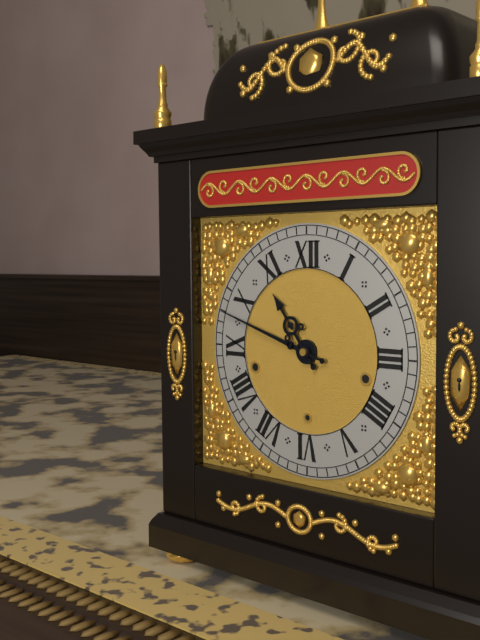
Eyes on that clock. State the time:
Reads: 10:48
